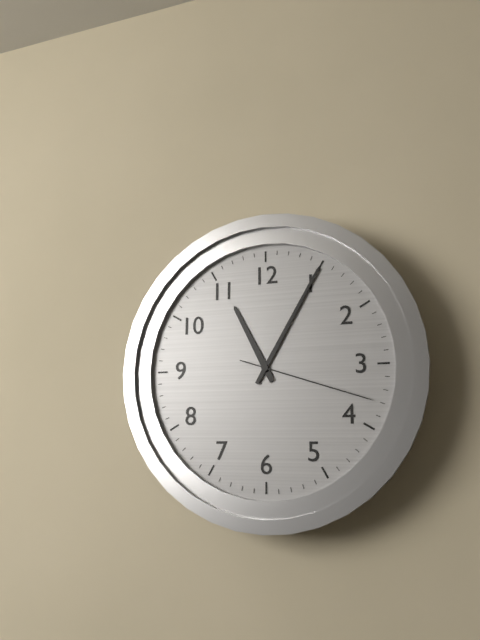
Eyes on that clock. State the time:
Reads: 11:05:18
